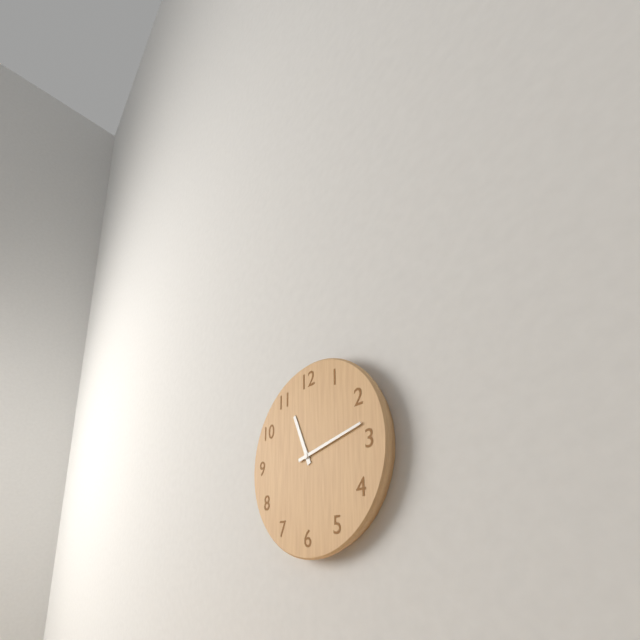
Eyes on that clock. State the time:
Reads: 11:13
